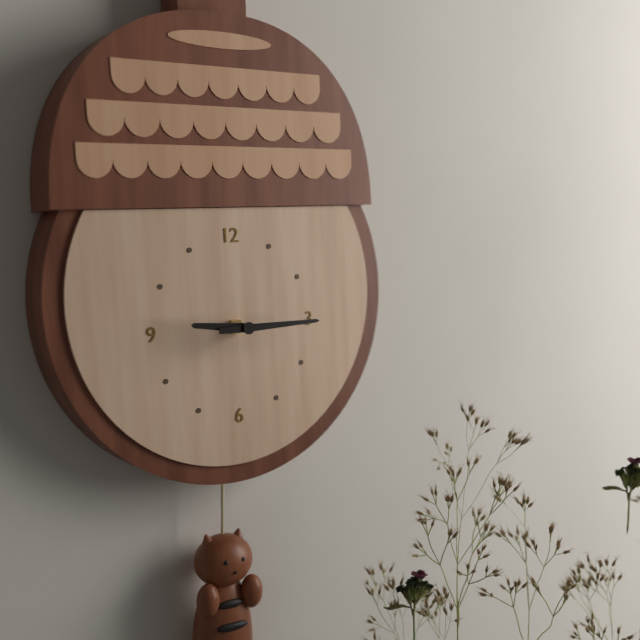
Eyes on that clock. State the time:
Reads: 9:15
